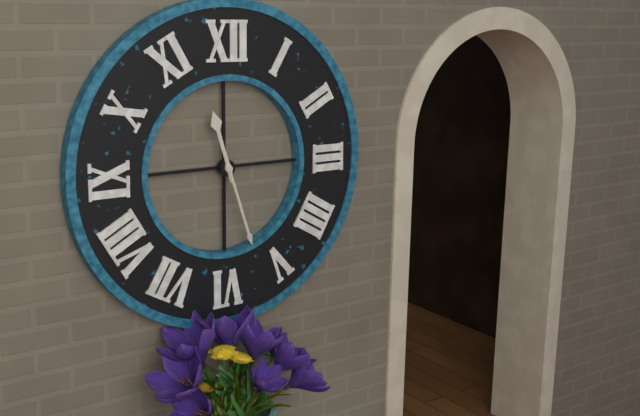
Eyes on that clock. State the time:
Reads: 11:27
